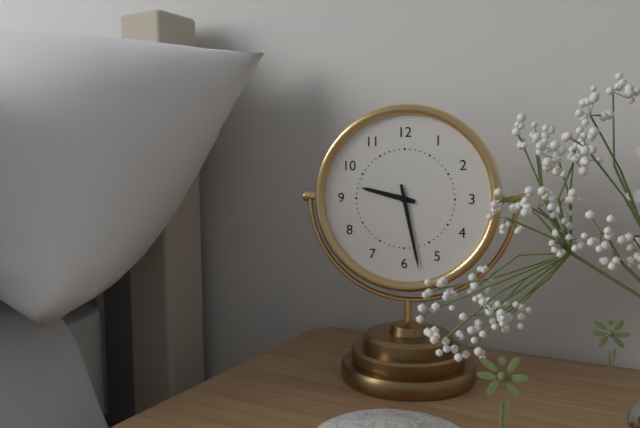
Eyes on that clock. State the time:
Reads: 9:28
